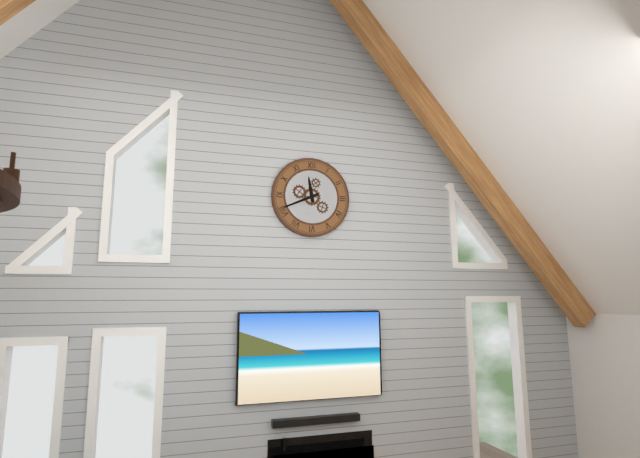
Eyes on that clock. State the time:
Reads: 11:41
